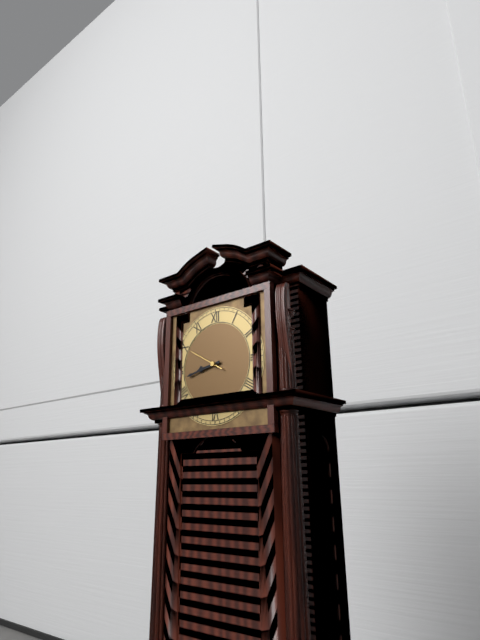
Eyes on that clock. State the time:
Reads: 8:43
